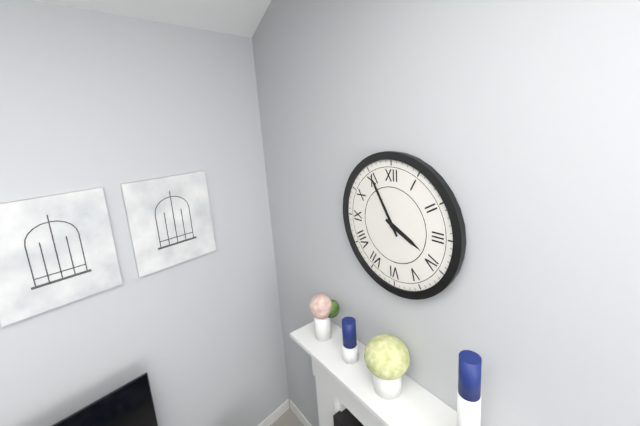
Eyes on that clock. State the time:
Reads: 3:55
